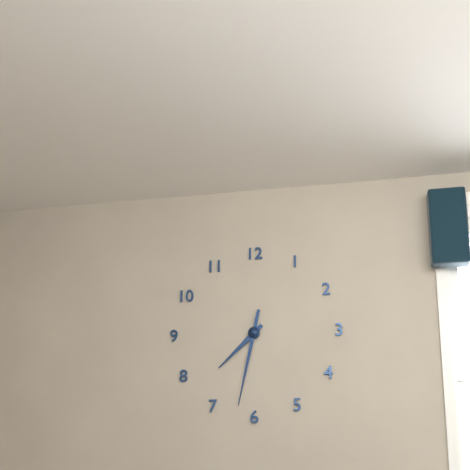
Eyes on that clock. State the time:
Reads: 7:32
